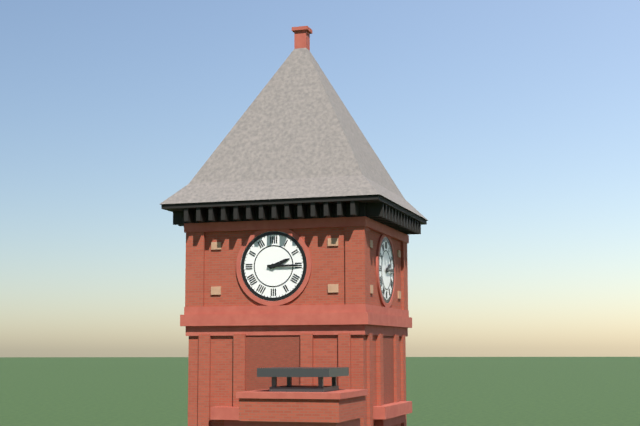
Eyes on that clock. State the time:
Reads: 2:15
